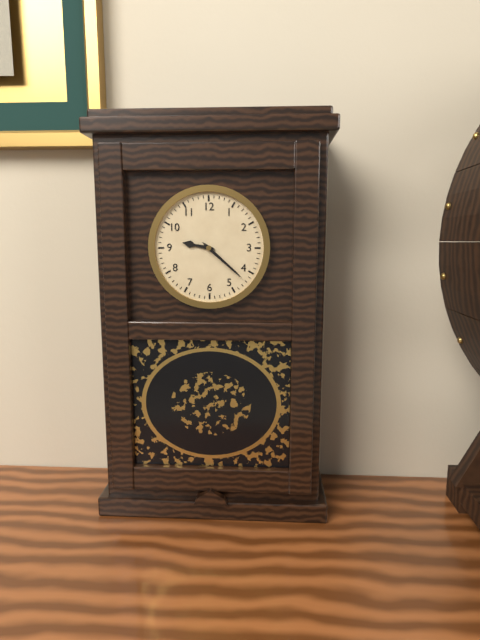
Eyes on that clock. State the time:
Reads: 9:22
